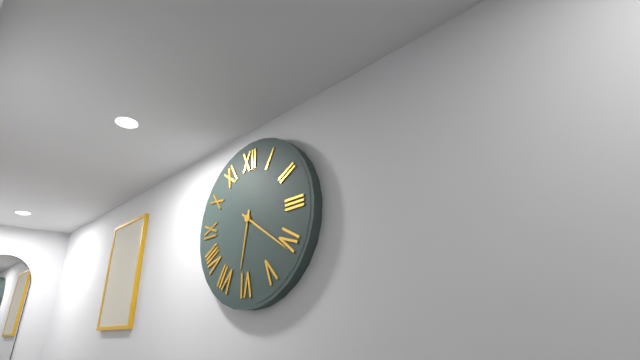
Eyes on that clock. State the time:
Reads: 6:21
